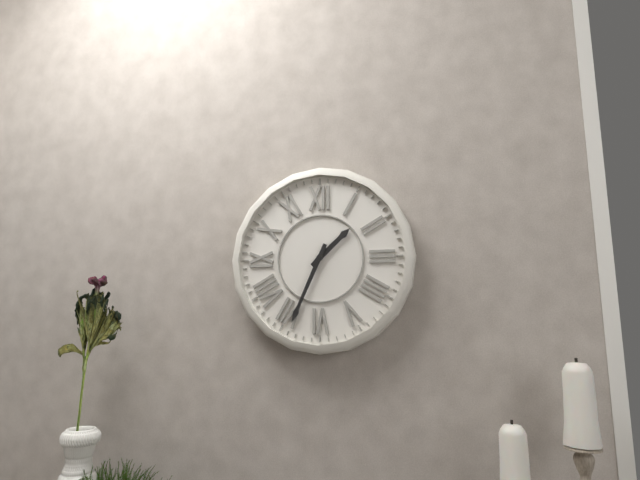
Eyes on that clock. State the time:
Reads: 1:34
